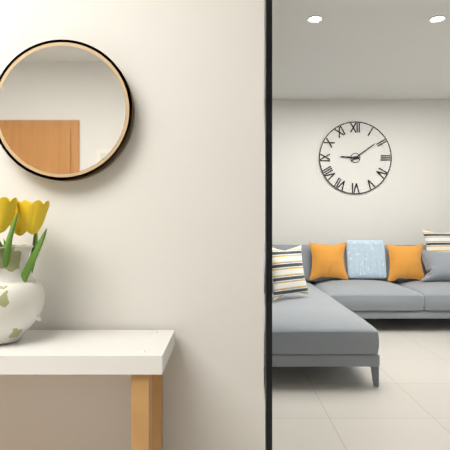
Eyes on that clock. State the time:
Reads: 9:09
